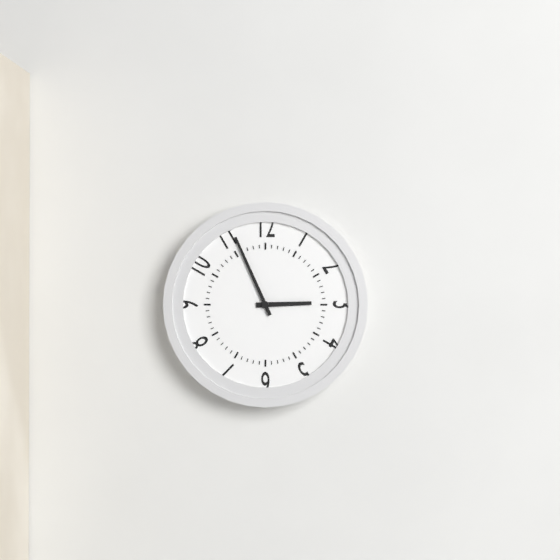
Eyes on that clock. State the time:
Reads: 2:56
